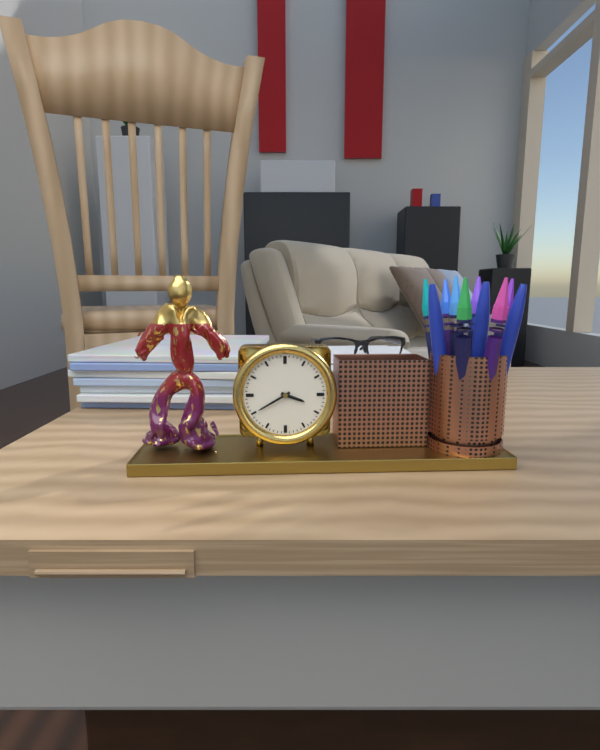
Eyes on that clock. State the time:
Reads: 3:40
